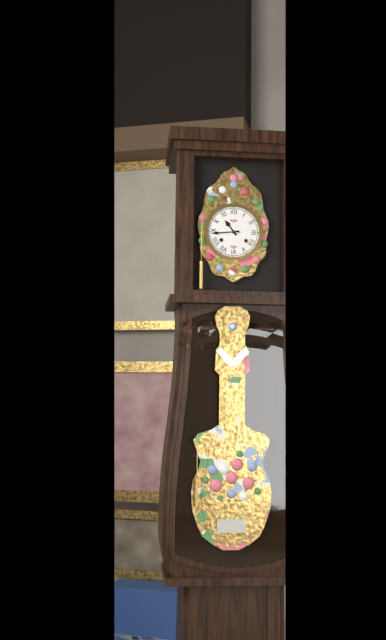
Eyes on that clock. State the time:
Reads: 10:44
